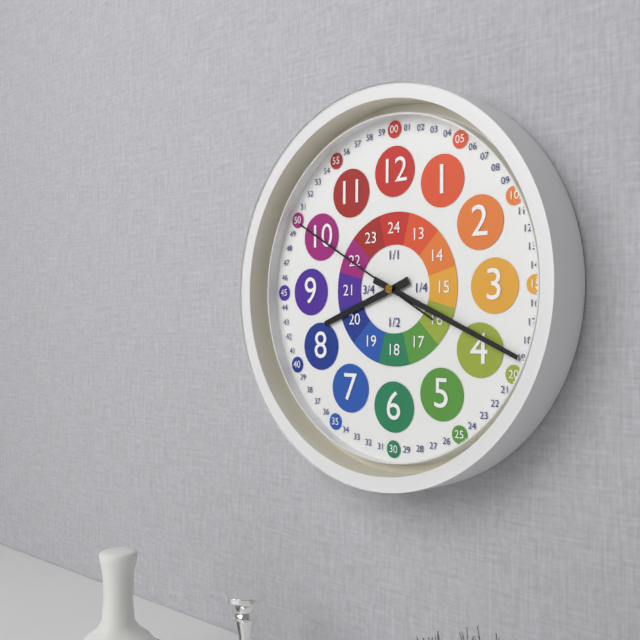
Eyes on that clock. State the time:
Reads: 8:19:50
